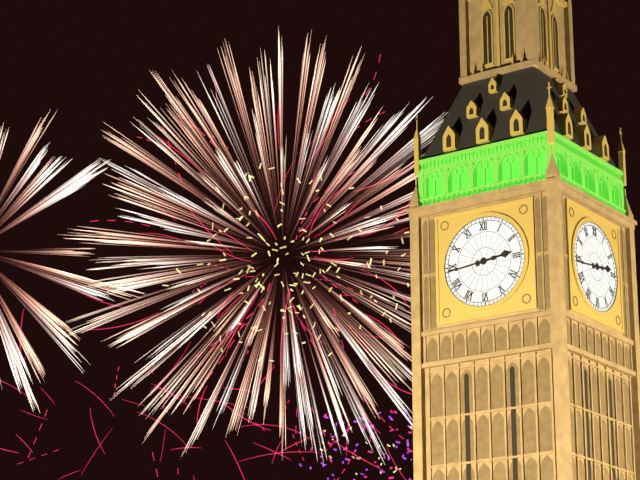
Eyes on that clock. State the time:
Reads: 2:44
